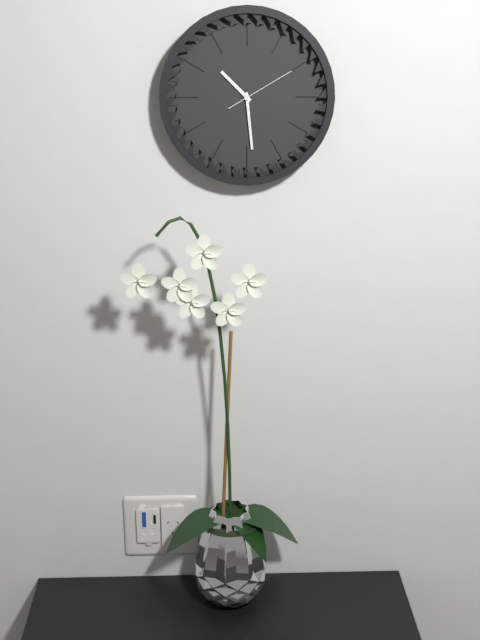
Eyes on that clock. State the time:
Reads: 10:29:10
